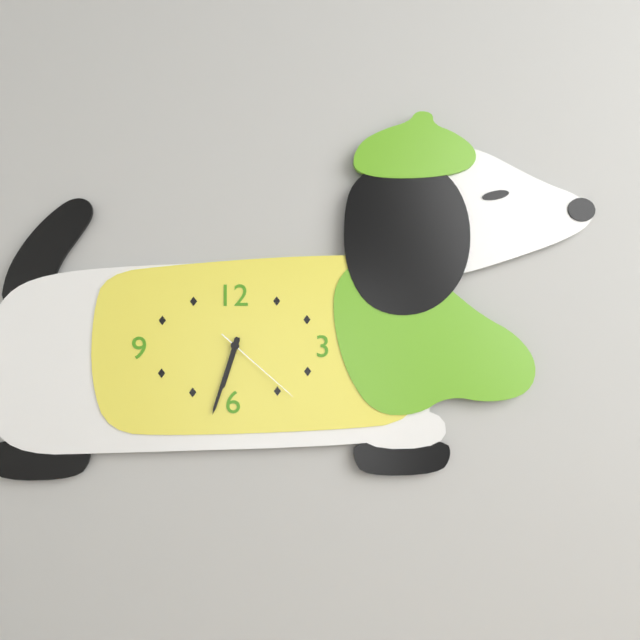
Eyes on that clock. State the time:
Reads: 6:33:22
